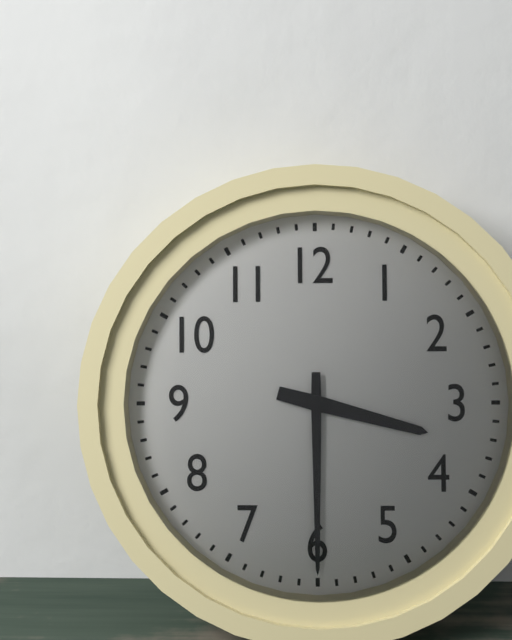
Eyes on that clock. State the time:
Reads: 3:30
